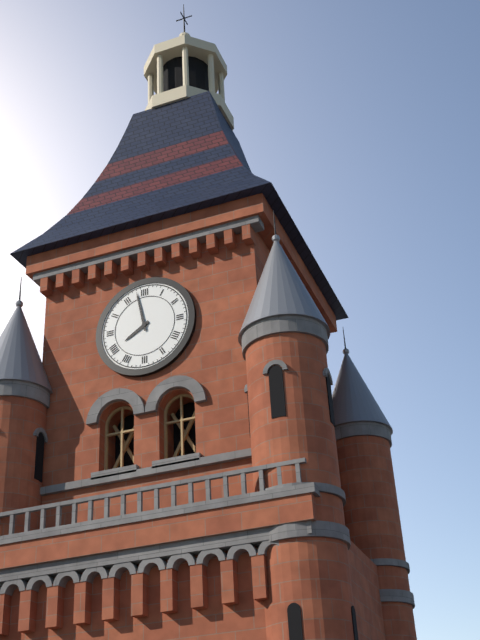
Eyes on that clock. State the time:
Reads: 7:58
